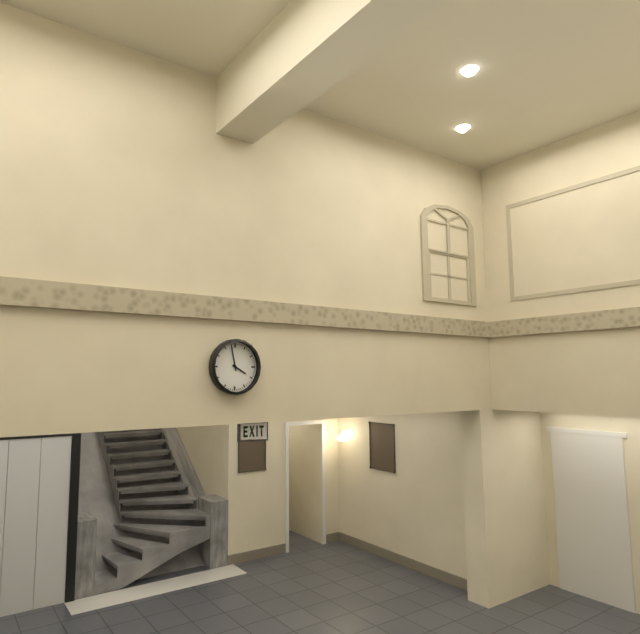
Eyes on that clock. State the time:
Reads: 3:58
